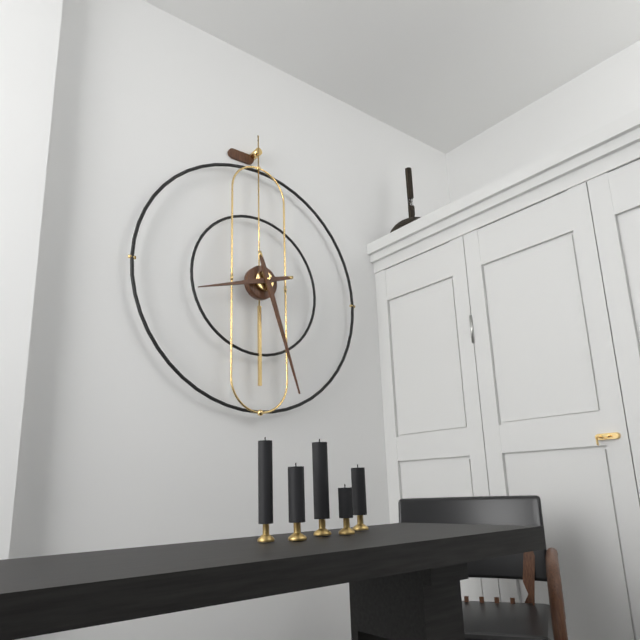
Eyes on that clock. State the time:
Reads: 8:27
